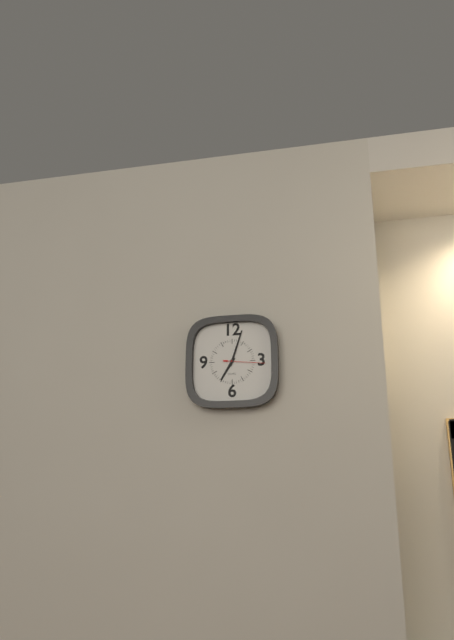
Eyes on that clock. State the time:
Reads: 7:03
